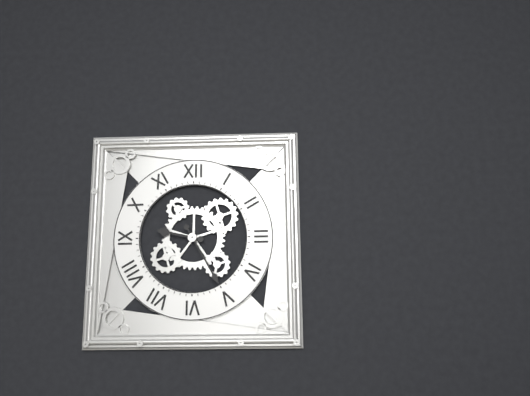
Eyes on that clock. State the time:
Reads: 9:25
